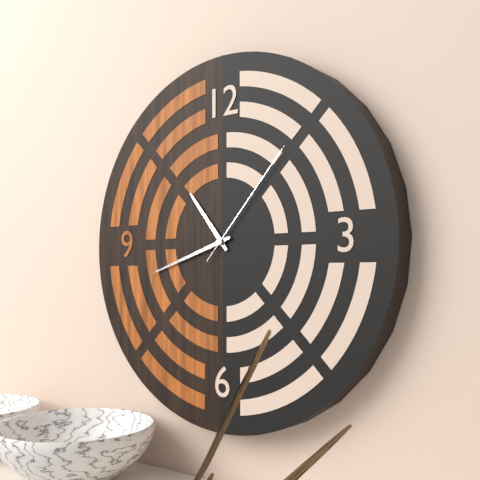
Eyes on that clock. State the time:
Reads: 10:42:07
